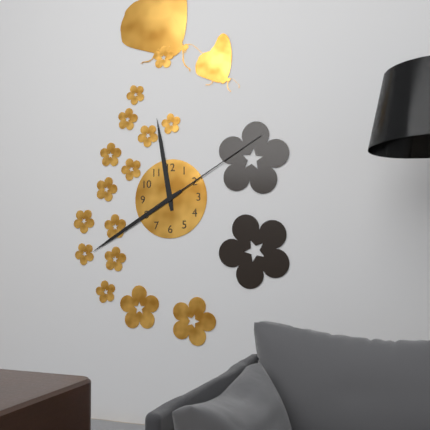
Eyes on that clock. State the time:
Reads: 11:40:10
